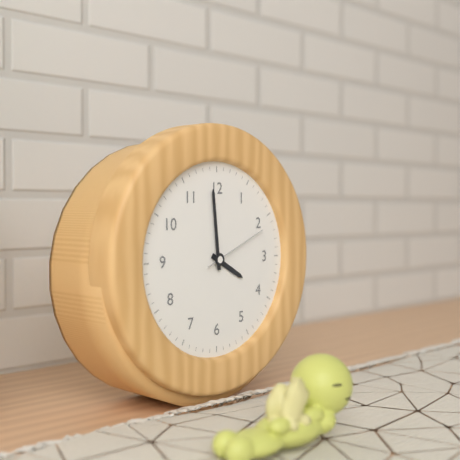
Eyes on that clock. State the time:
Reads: 3:59:11
